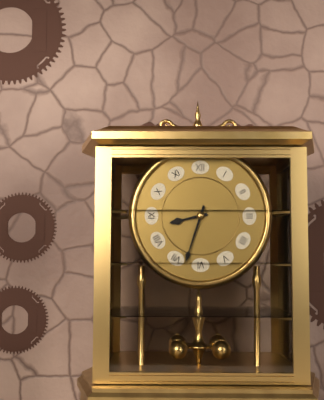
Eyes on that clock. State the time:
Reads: 8:33
